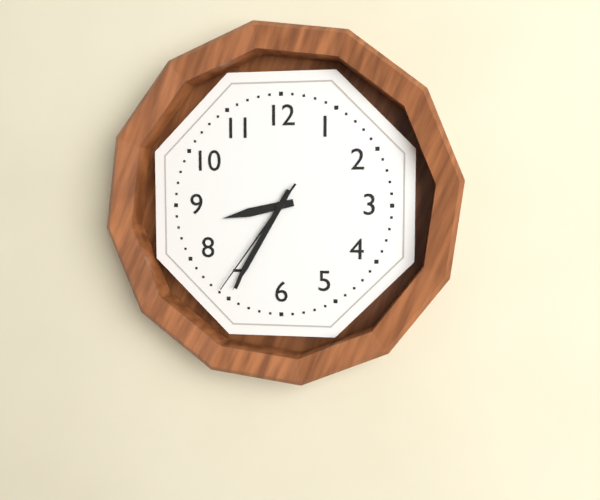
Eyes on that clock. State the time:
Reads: 8:35:36
